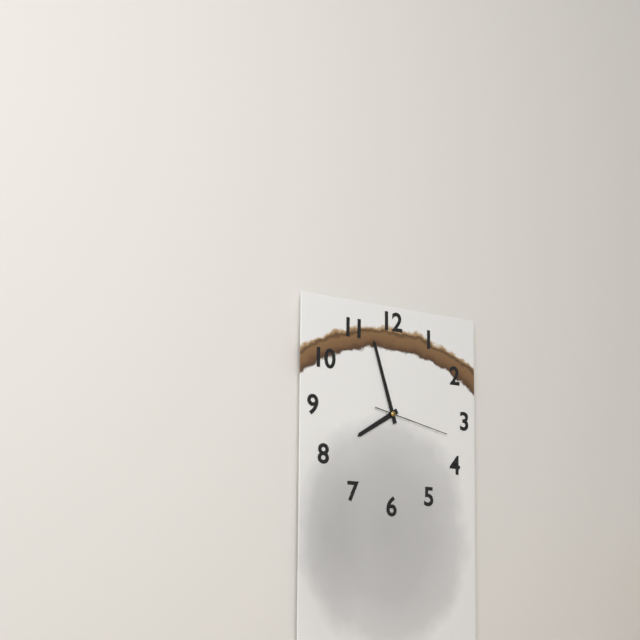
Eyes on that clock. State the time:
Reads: 7:57:17
